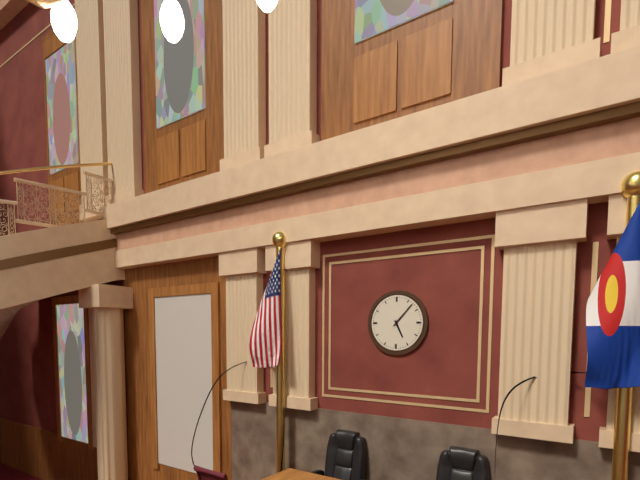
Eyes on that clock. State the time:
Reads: 5:07
